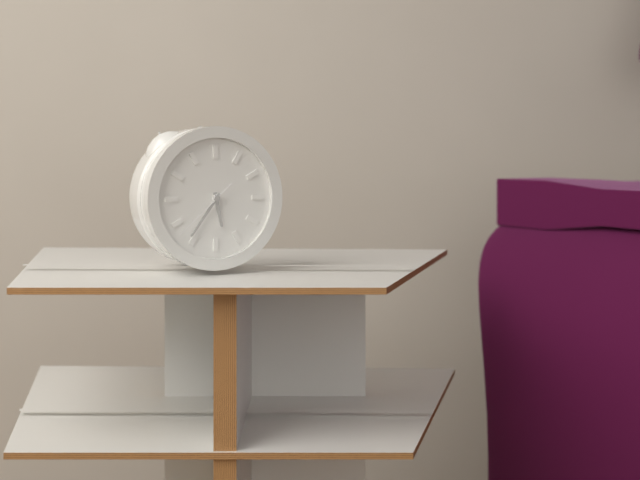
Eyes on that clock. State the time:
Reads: 5:36:38
